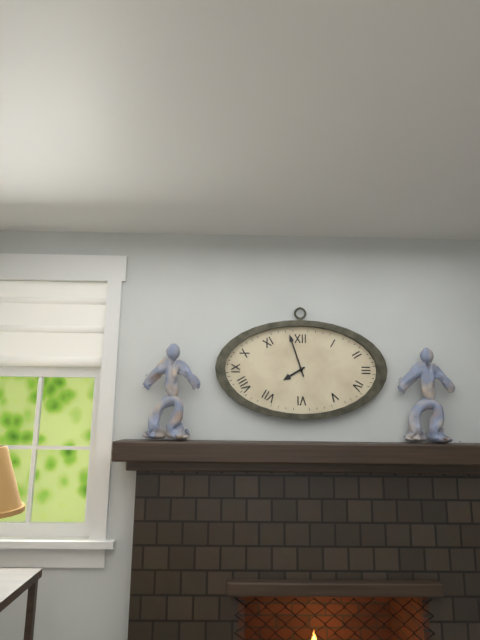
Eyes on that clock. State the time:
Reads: 7:57
